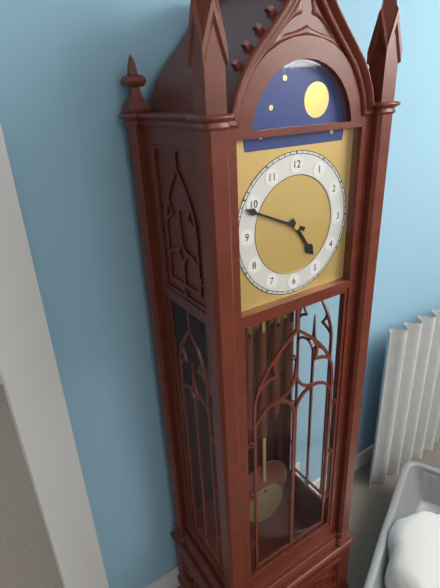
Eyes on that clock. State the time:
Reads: 4:49
